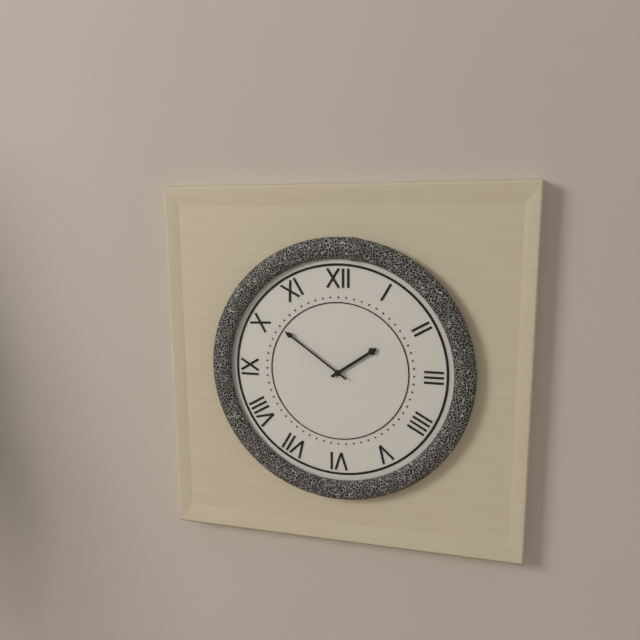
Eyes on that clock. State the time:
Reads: 1:51
